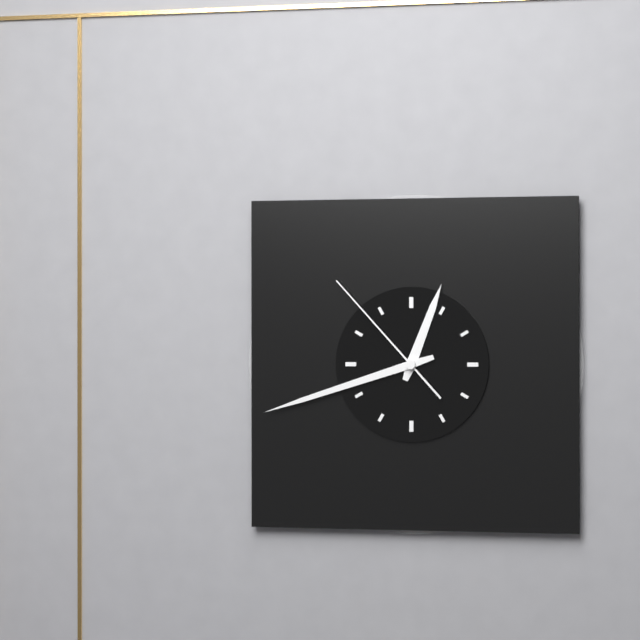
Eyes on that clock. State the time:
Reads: 12:42:53
